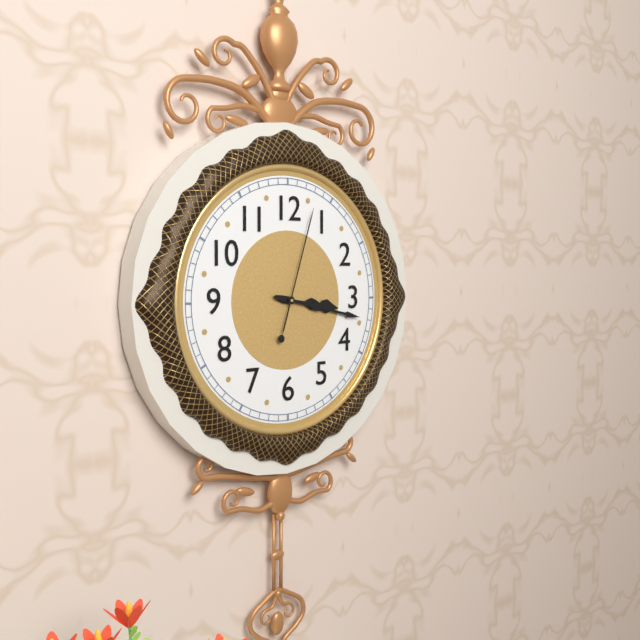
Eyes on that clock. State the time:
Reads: 3:17:03
